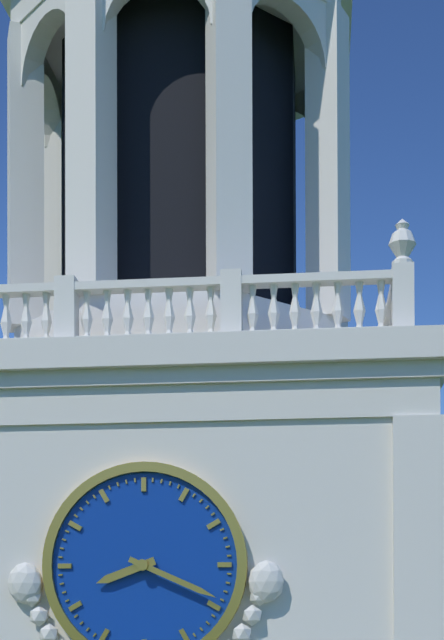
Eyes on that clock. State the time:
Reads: 8:19
